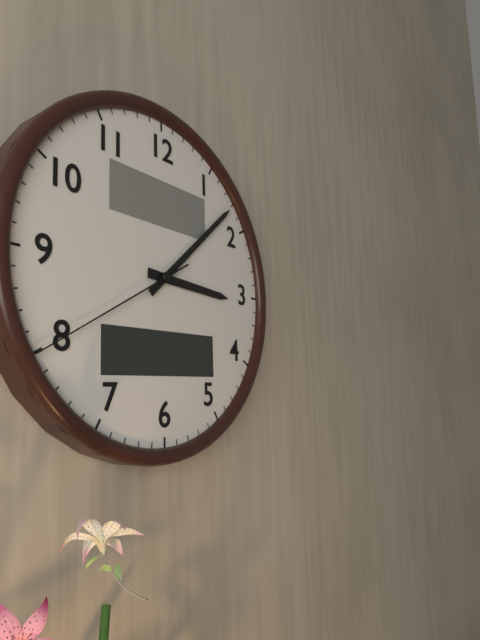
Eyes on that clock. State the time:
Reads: 3:08:40
